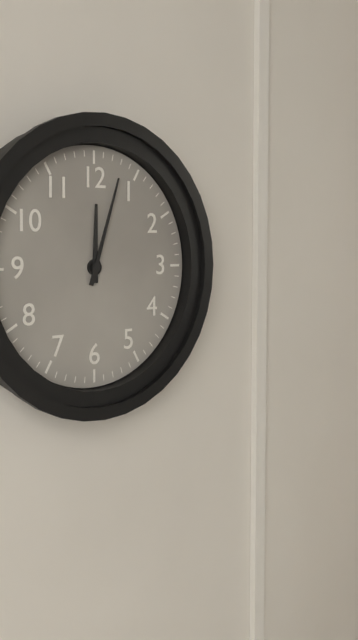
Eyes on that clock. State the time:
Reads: 12:03
